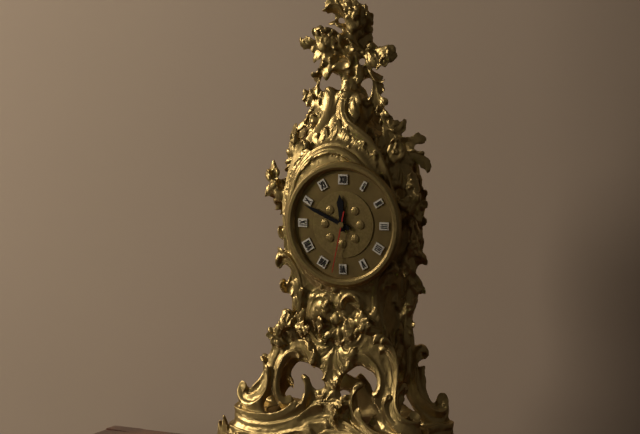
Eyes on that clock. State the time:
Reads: 11:49:32
